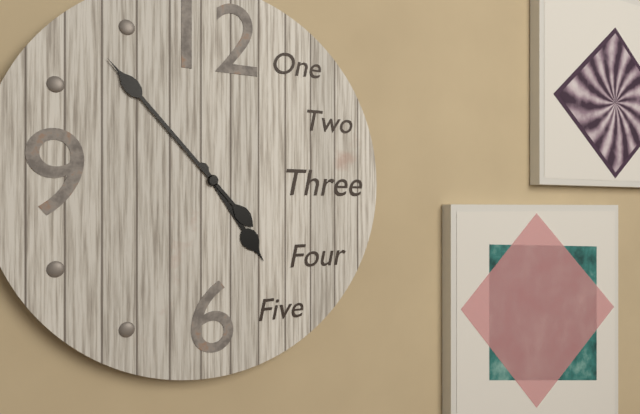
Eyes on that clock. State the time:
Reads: 4:53
